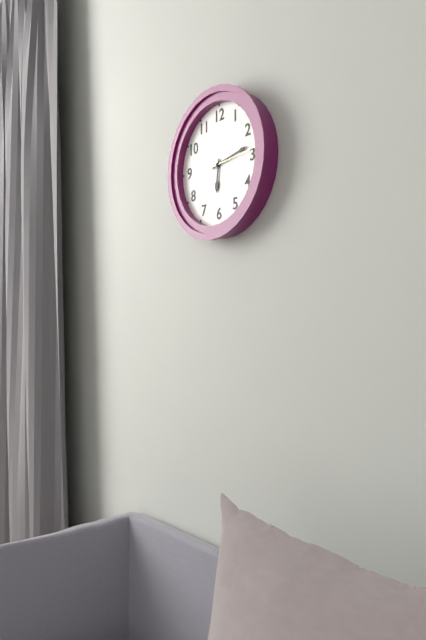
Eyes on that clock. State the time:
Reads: 6:13:14
